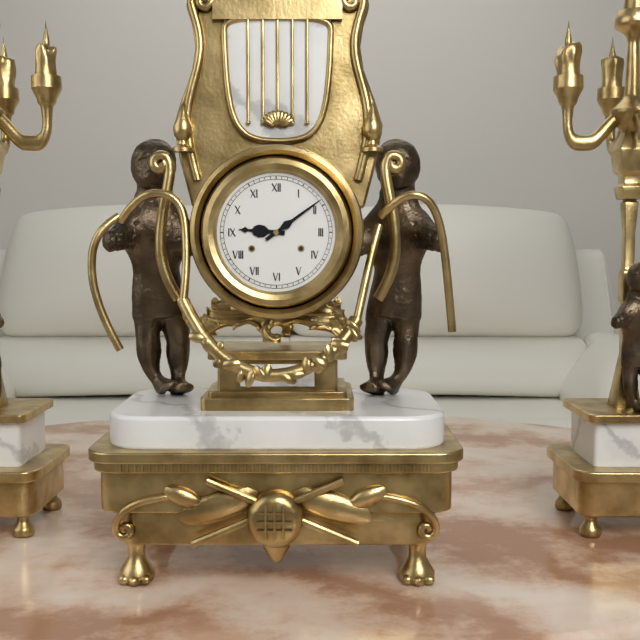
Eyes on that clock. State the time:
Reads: 9:09
